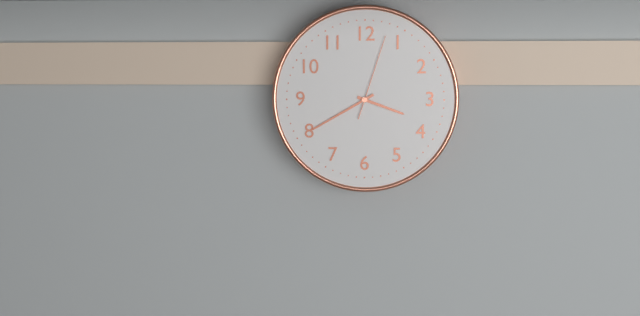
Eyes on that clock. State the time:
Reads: 3:40:03
